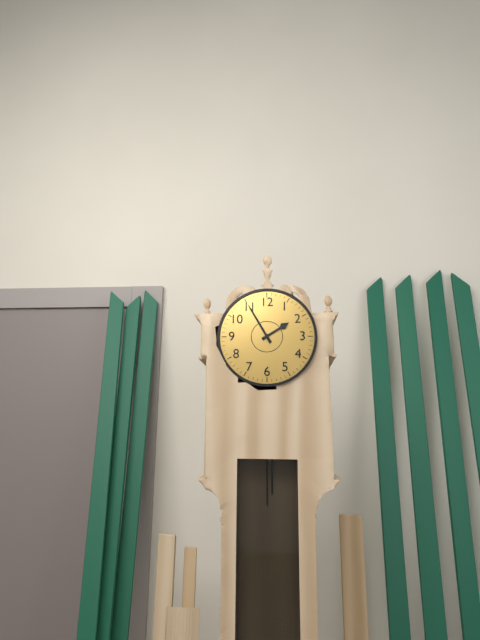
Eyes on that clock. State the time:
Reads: 1:55
